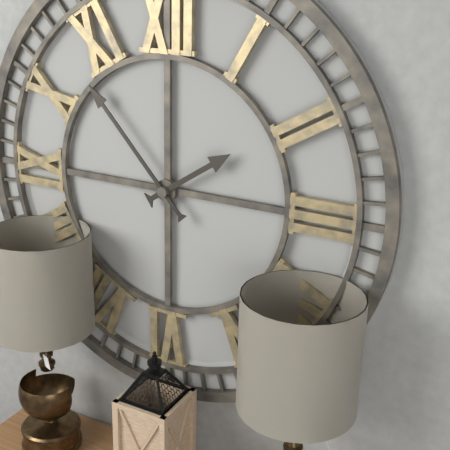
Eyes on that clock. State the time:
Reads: 1:53
